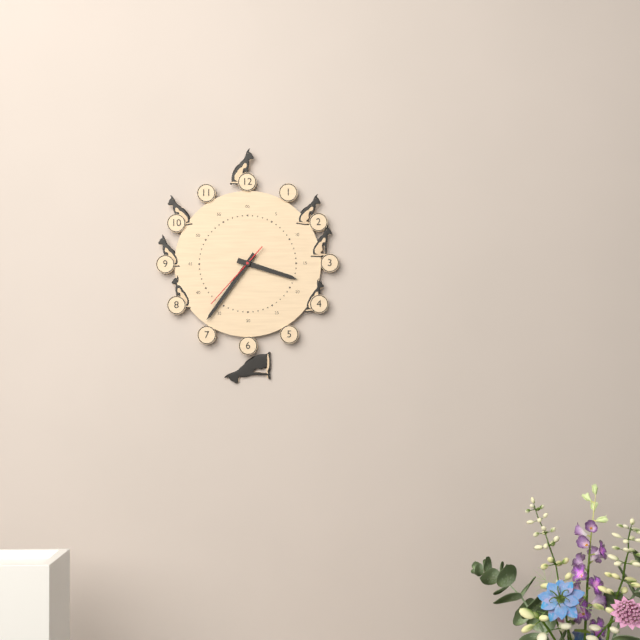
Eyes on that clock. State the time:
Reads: 3:36:37
